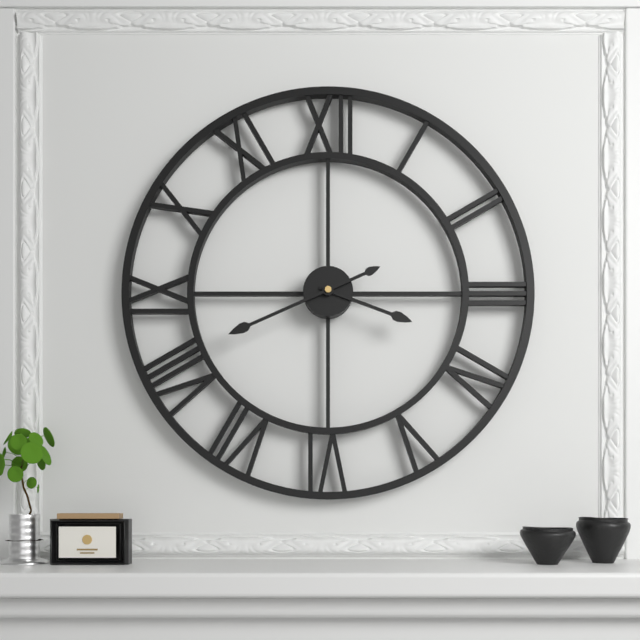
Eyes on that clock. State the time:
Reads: 3:41
